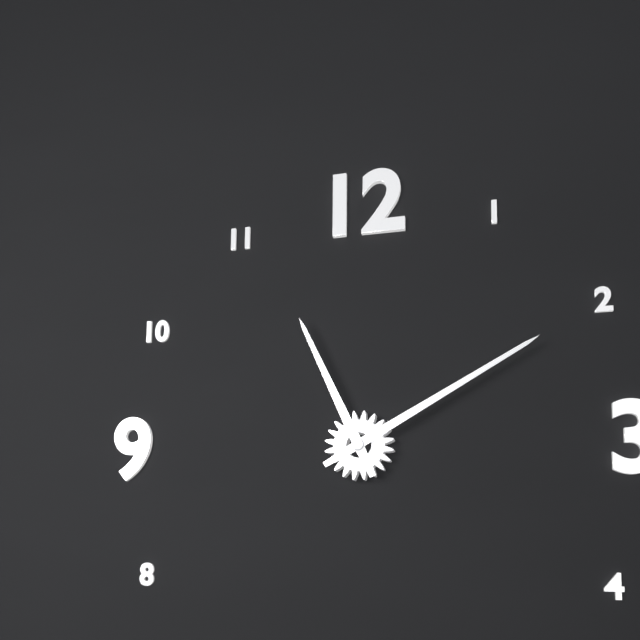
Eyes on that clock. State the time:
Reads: 11:10
